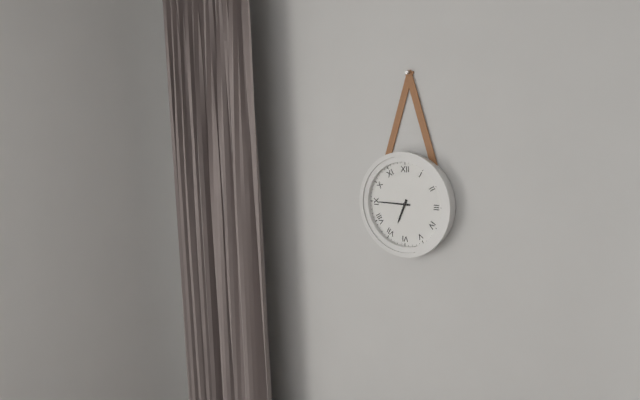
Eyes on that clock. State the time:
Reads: 6:45
